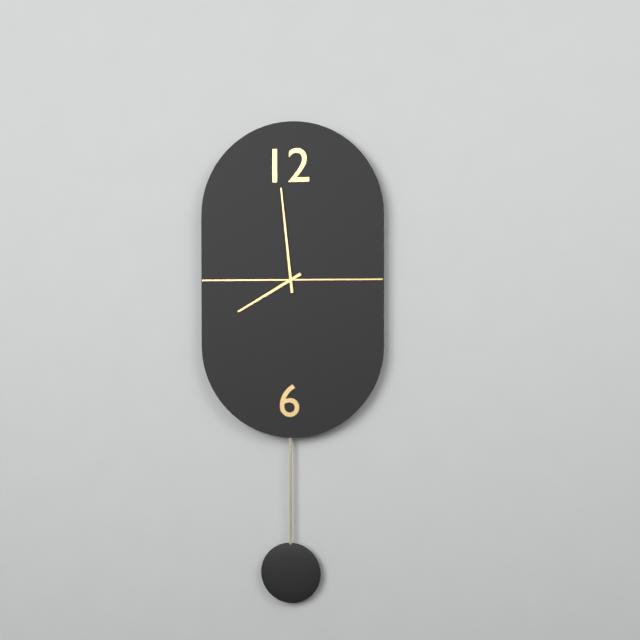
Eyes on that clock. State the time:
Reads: 7:59
